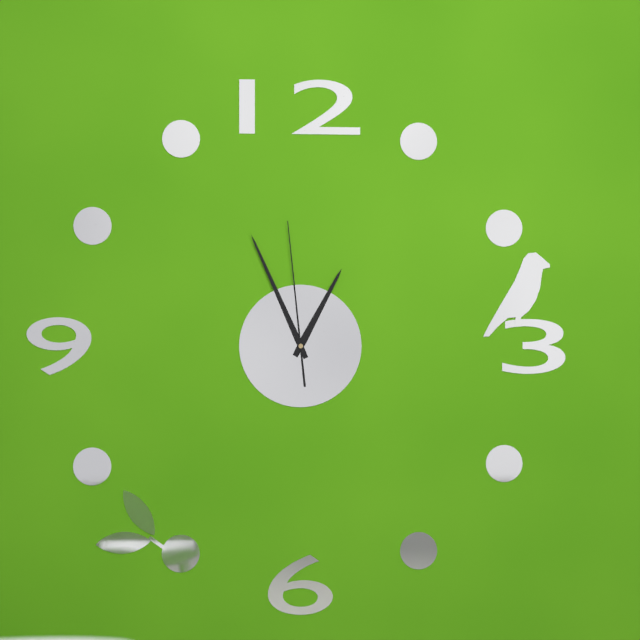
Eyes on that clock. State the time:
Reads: 12:56:59
